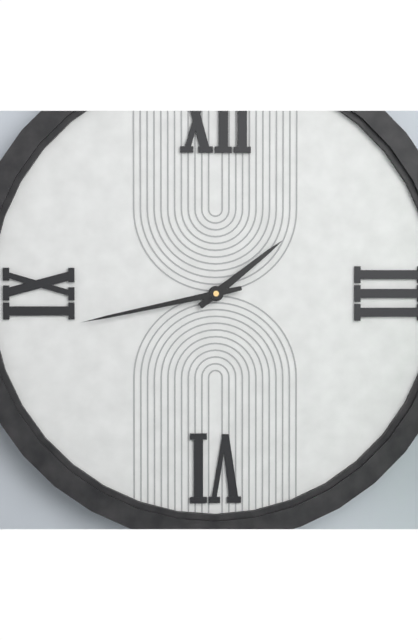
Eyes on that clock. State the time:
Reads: 1:43
